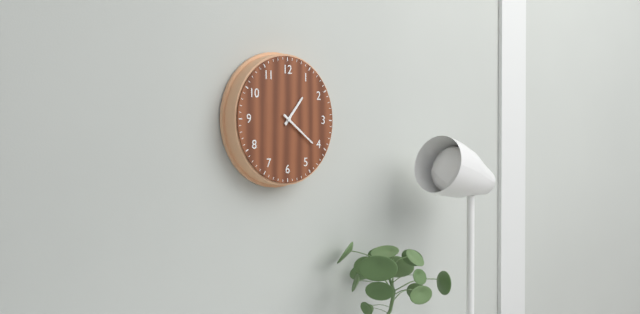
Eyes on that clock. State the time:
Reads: 1:21
